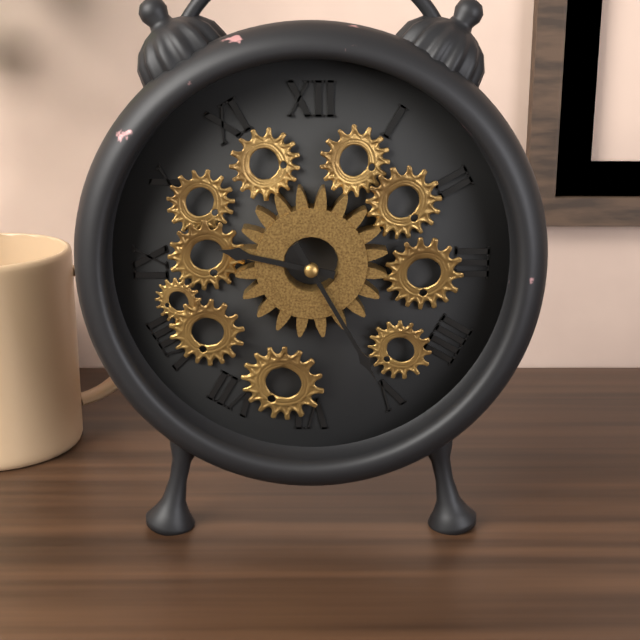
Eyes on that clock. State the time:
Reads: 9:25
